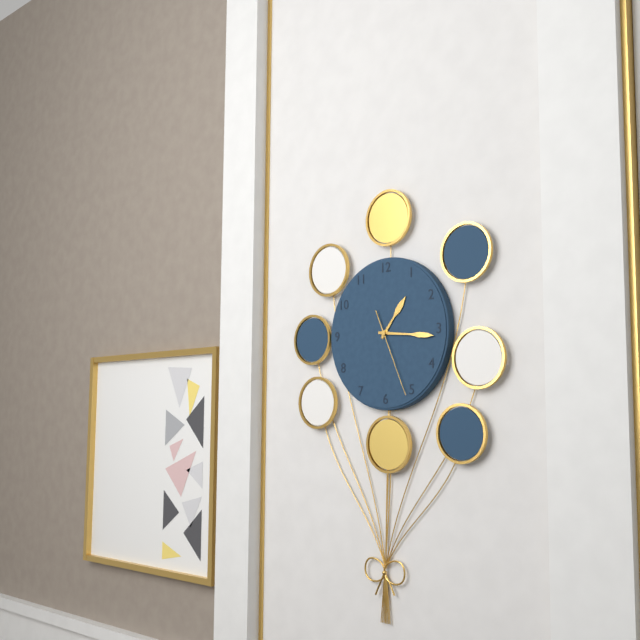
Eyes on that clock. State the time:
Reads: 1:16:26
